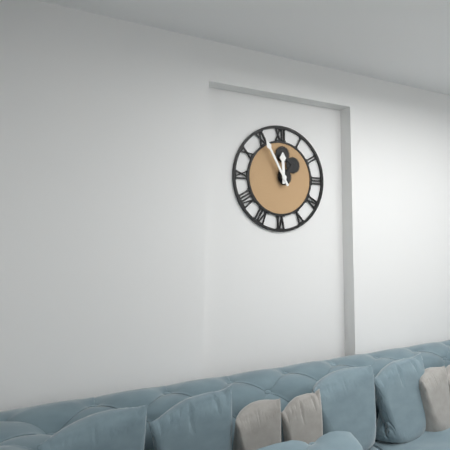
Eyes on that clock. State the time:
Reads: 11:55
